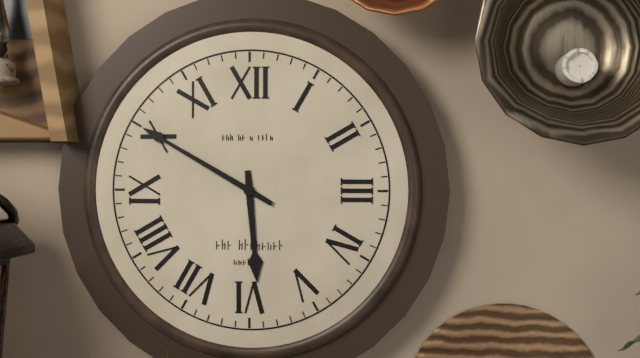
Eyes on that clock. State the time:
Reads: 5:50
